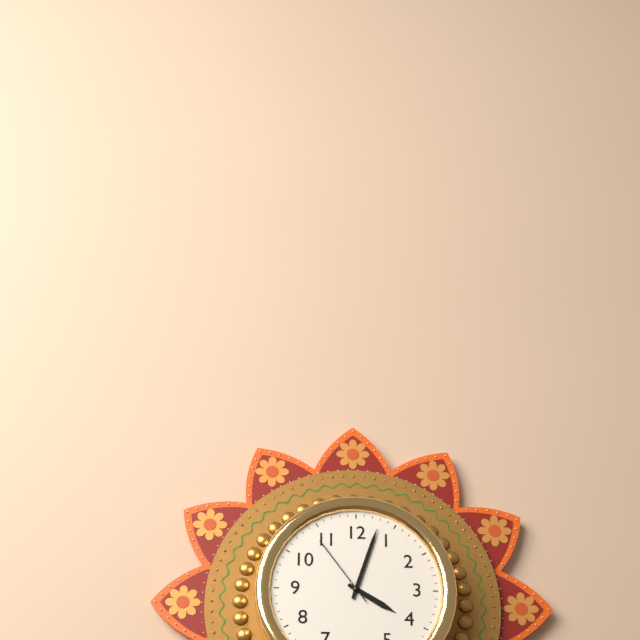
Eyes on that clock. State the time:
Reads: 4:03:54
